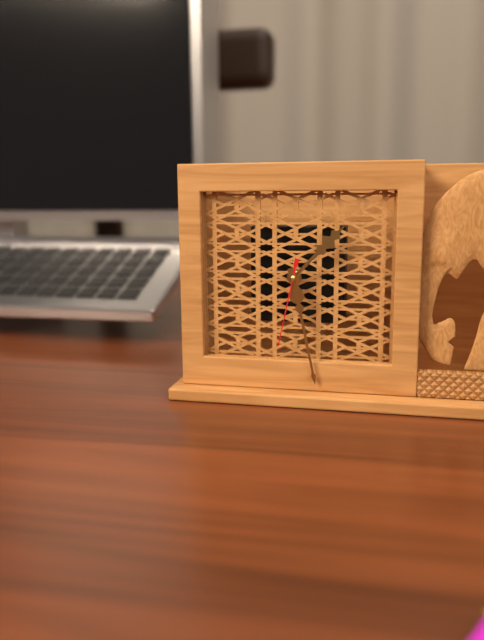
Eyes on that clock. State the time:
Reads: 1:28:32
